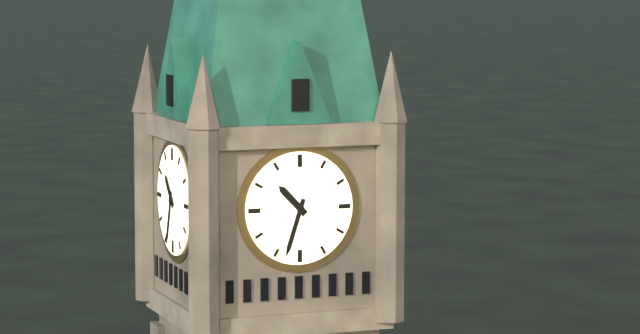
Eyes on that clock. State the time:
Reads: 10:33
